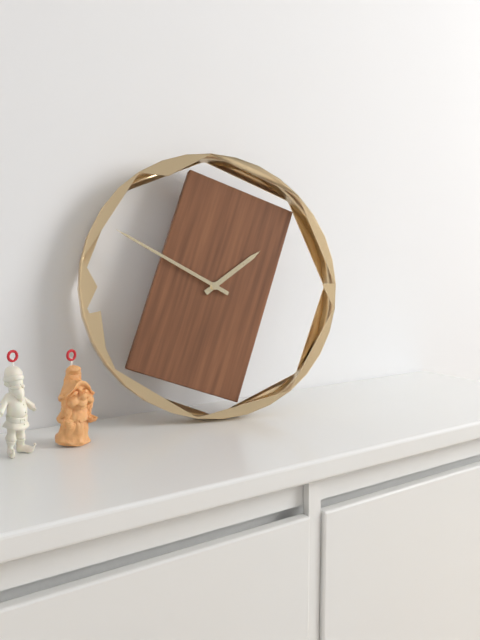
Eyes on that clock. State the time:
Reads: 1:50
